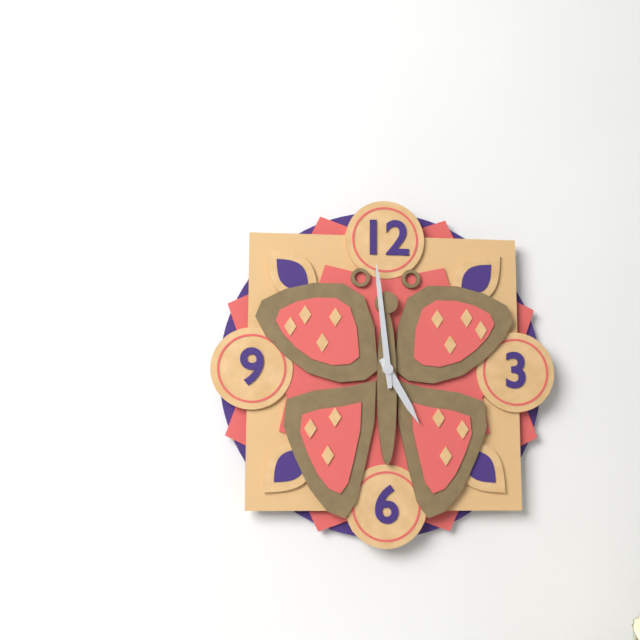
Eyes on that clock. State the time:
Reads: 4:59
